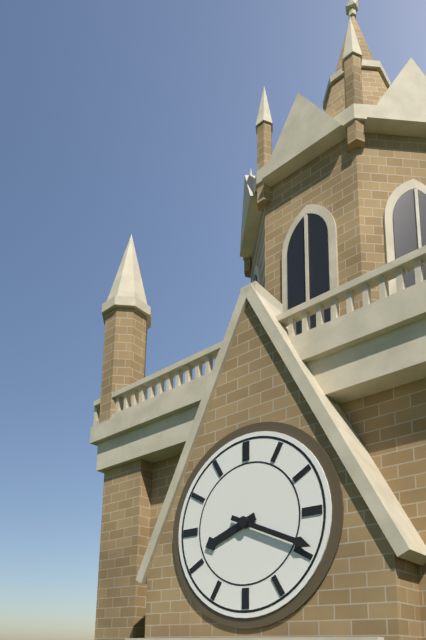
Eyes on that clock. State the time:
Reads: 8:19
